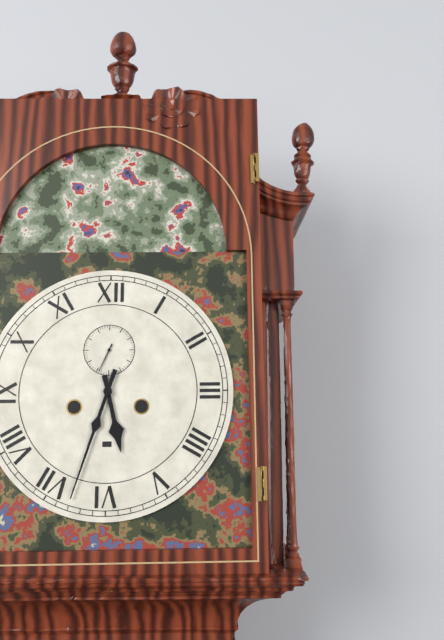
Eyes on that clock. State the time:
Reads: 5:33
